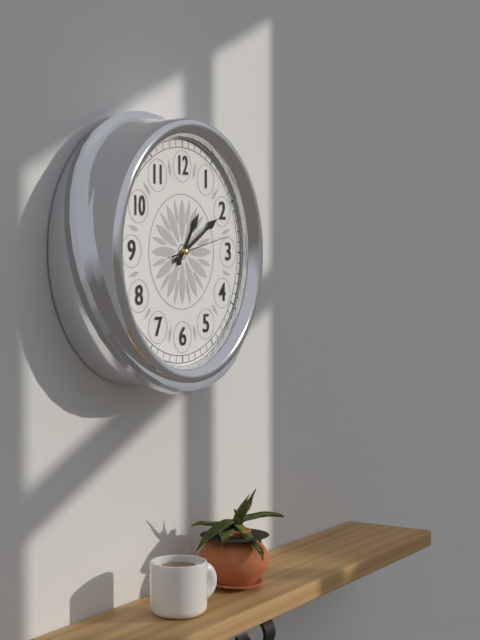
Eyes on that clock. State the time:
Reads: 1:10:13
